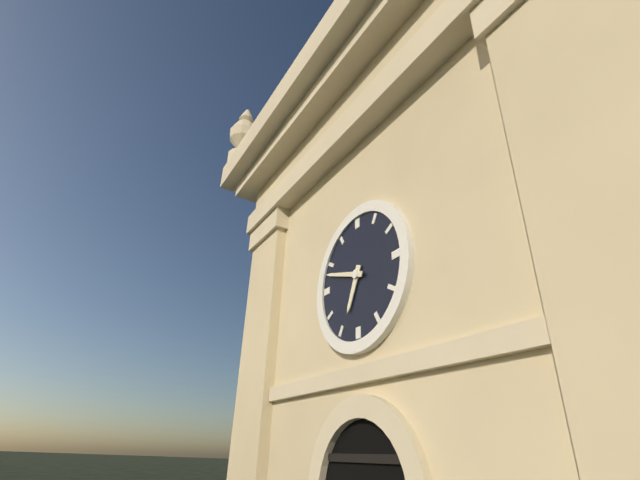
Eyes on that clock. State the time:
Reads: 6:48
